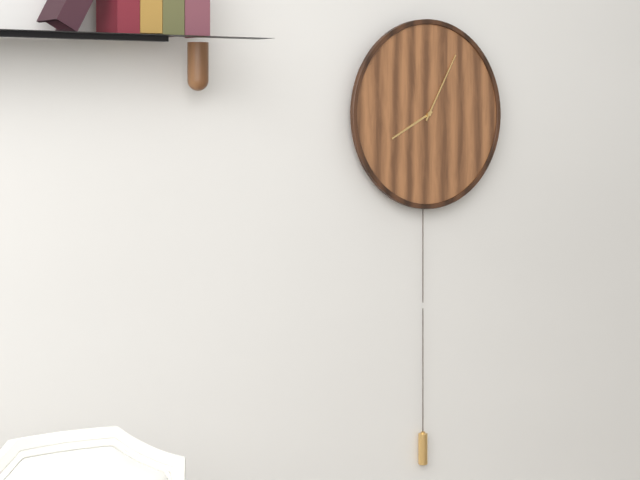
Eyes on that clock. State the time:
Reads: 8:05
